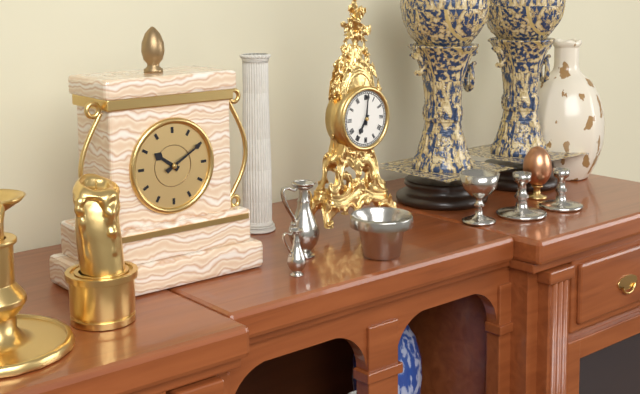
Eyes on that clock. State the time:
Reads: 7:01
